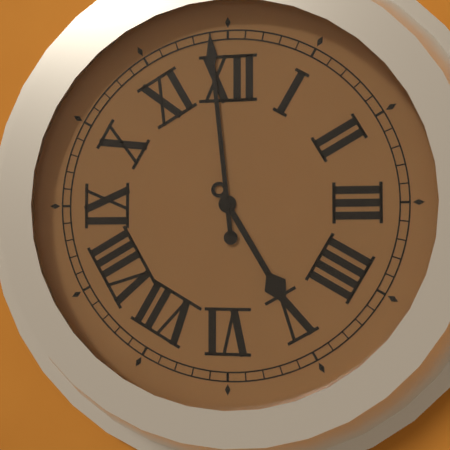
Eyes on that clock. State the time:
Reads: 4:59
